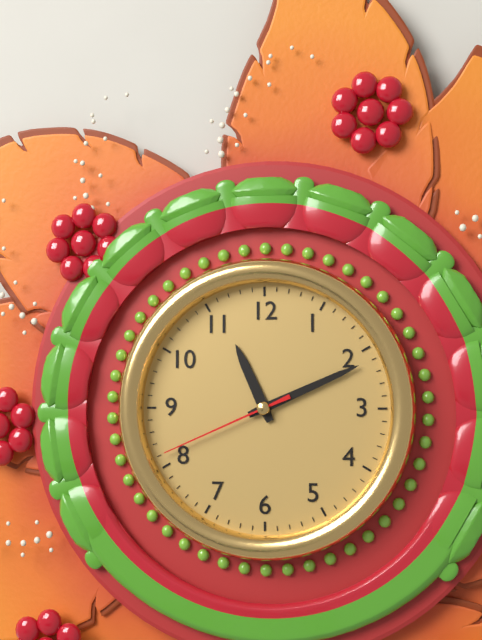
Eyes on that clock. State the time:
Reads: 11:11:41
